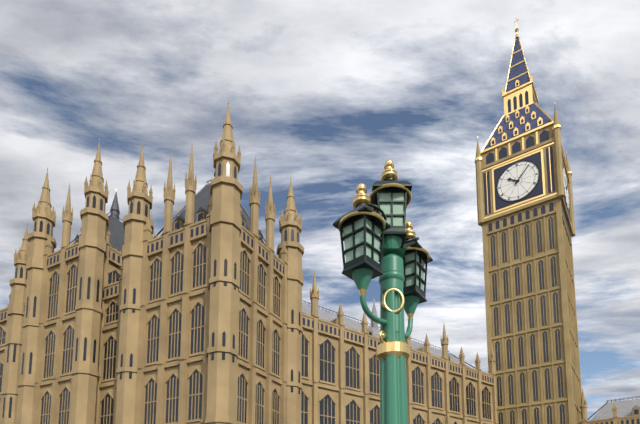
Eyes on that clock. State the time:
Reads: 10:07
